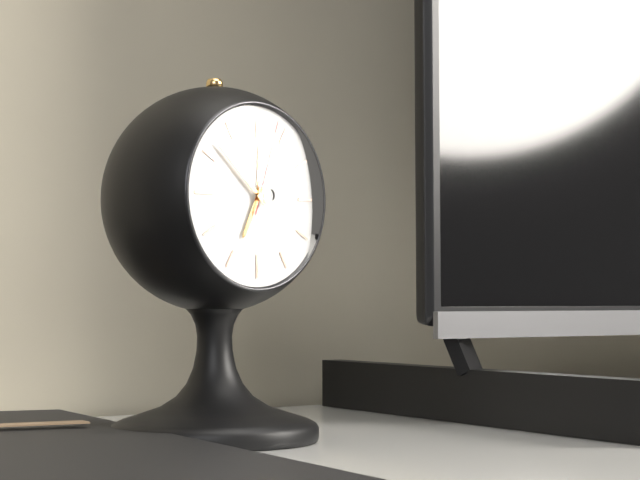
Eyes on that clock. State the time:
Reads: 6:52:03
